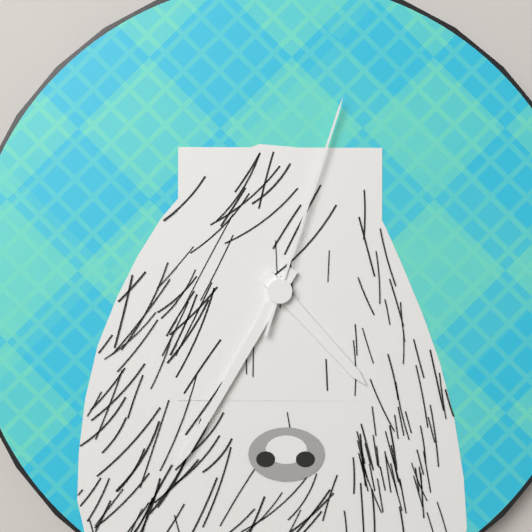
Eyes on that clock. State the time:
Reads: 4:35:03
